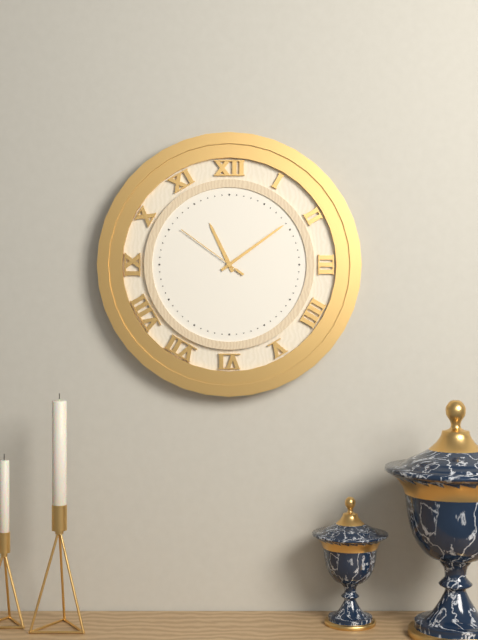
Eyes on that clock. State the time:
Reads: 11:09:51
